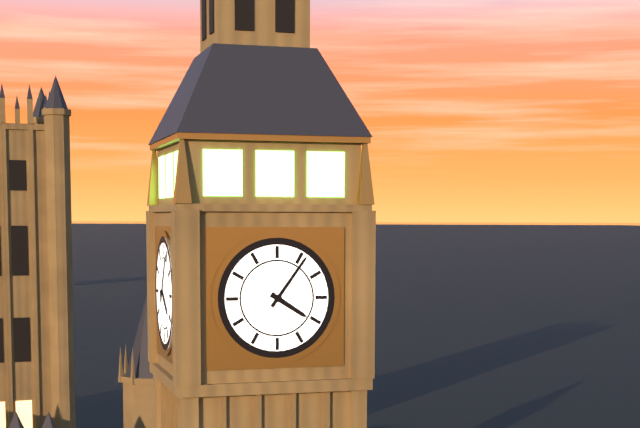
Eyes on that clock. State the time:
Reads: 4:06
